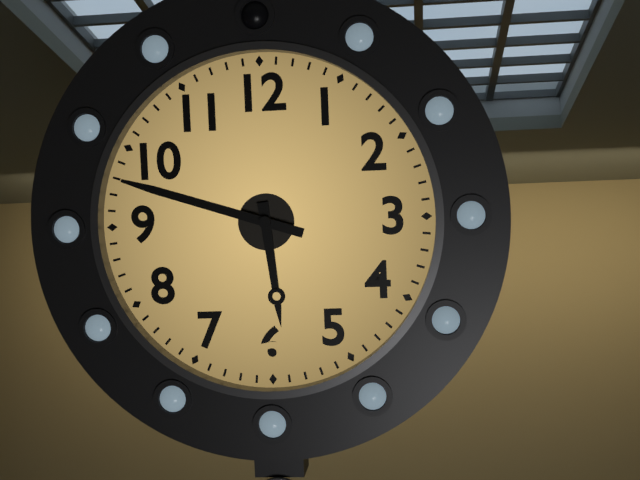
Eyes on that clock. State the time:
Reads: 5:48
